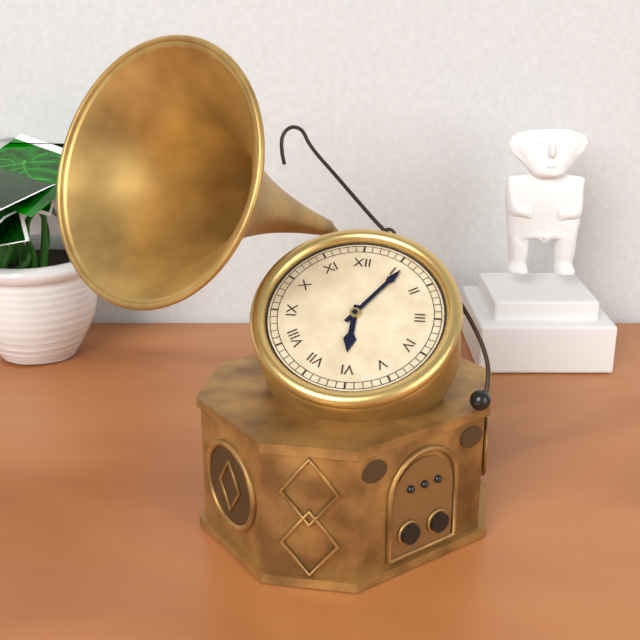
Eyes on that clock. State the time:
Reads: 6:06
